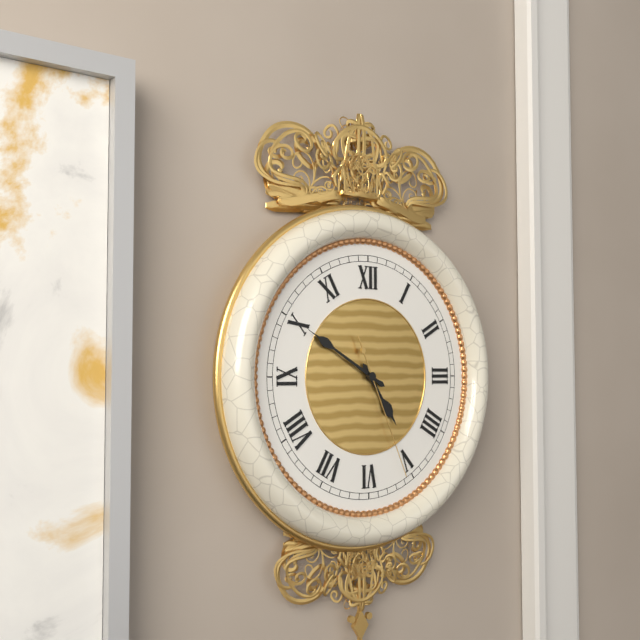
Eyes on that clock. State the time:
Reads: 4:50:26
